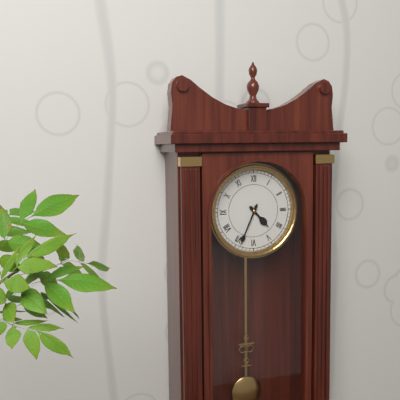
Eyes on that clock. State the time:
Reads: 4:34
